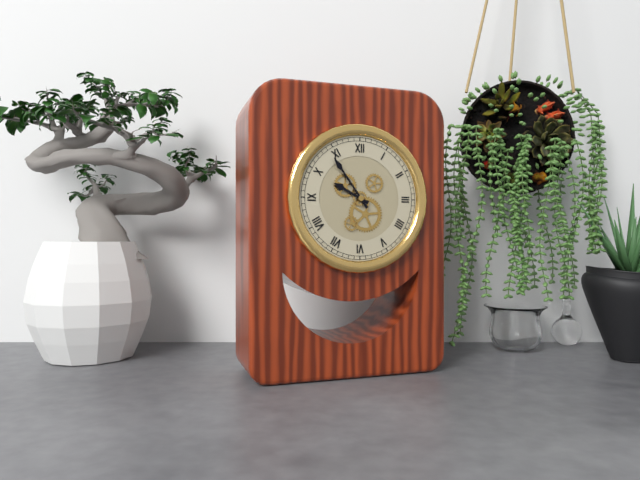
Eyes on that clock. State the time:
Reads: 9:54
